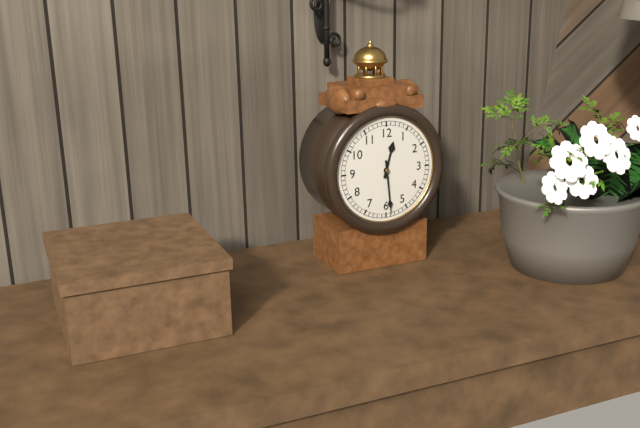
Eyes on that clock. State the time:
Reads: 12:29
